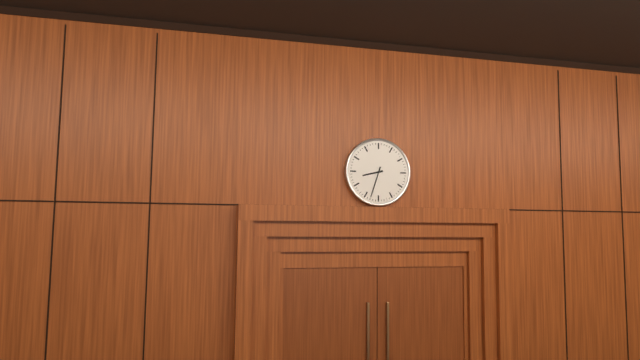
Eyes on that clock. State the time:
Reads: 8:33
